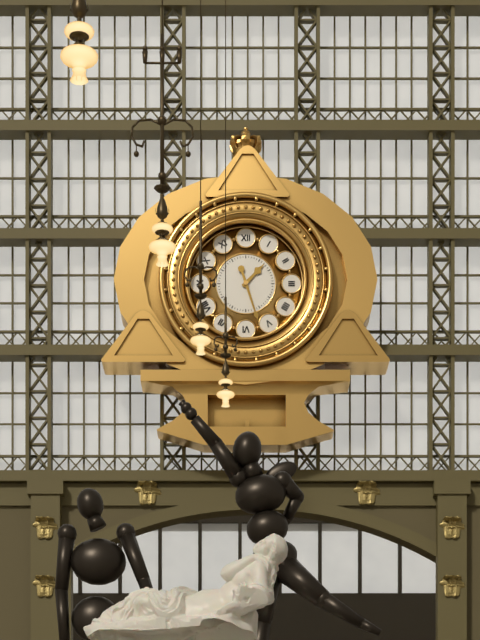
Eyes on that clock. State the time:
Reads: 1:27
